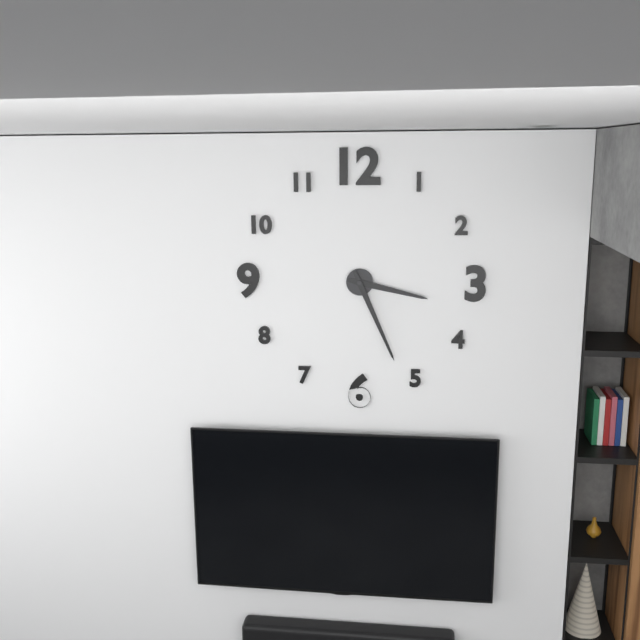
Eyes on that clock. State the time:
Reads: 3:26
